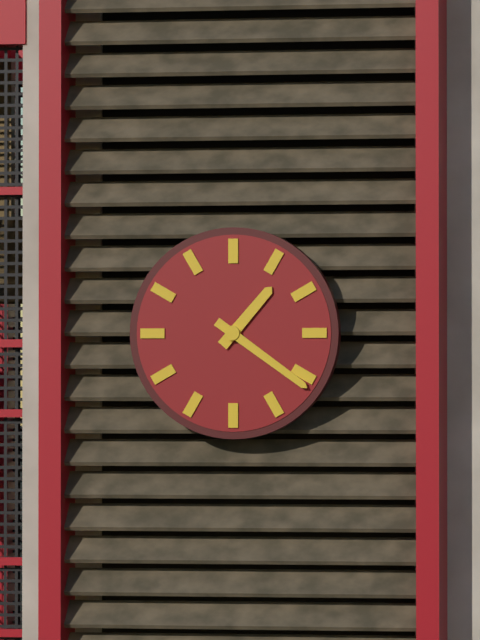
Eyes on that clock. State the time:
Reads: 1:21
